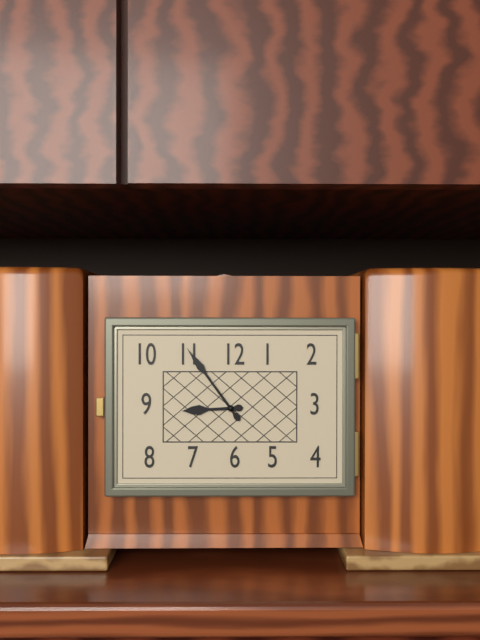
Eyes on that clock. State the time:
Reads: 8:54
